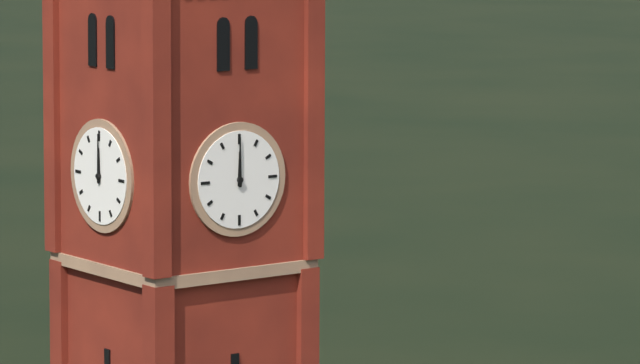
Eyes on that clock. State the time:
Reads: 12:00
